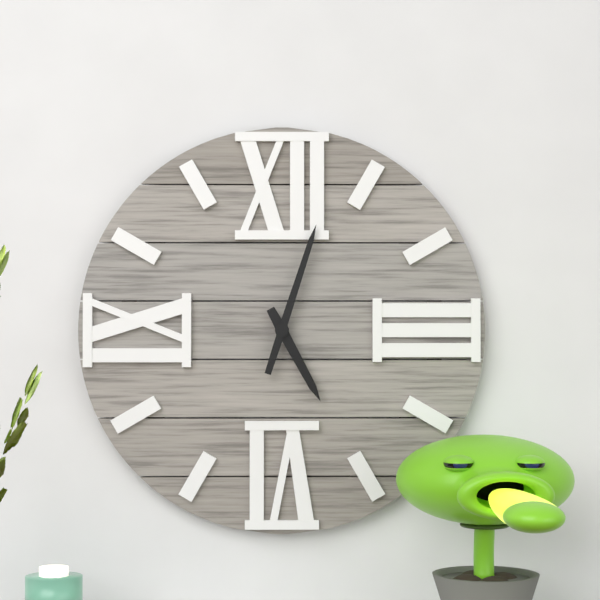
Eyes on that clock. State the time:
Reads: 5:03
